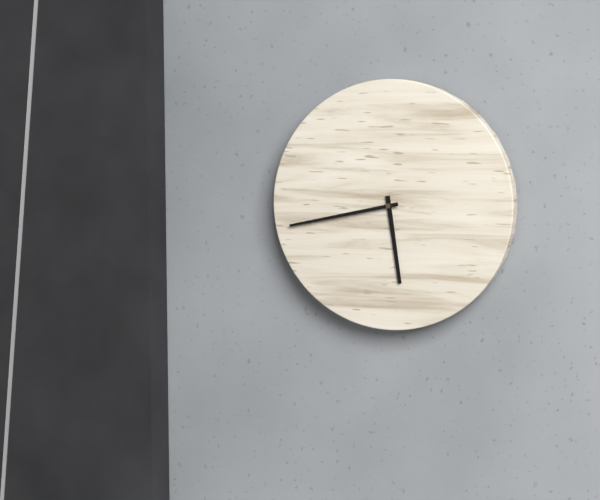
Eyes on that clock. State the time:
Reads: 5:43
